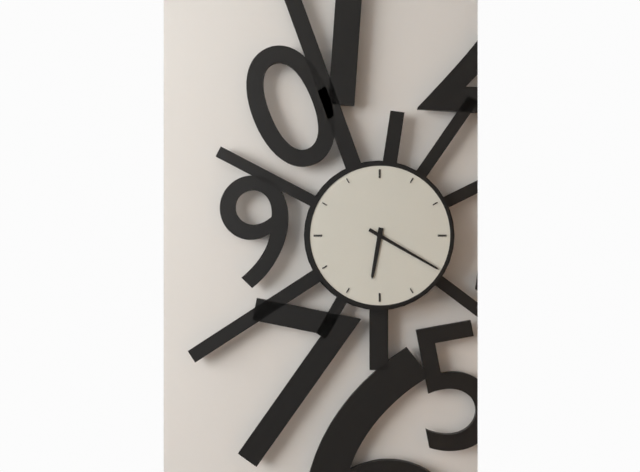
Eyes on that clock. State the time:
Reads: 6:20
